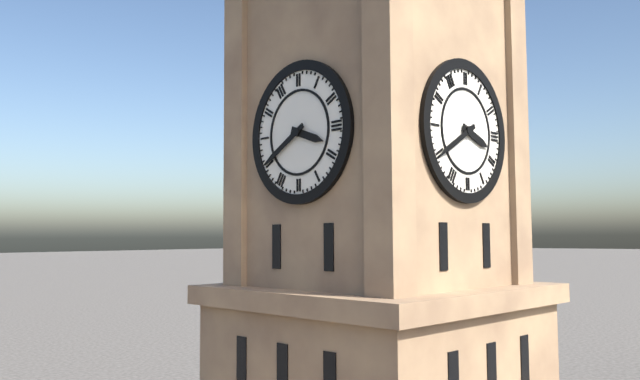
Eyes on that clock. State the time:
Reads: 3:40
